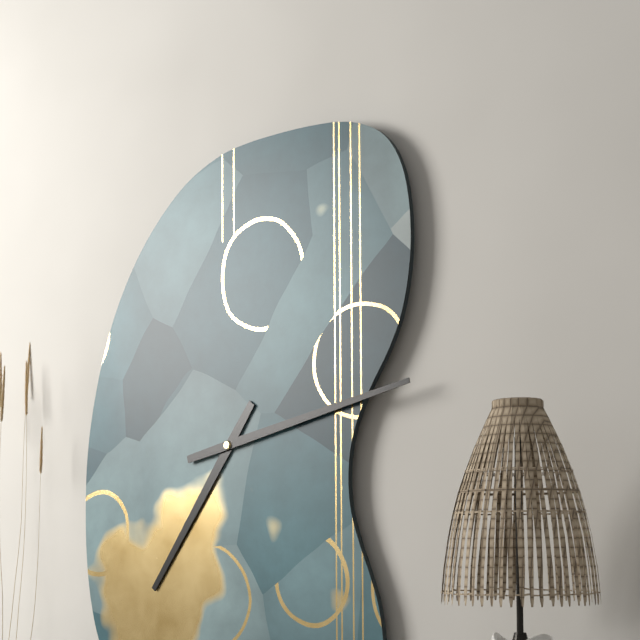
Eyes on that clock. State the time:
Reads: 7:13
